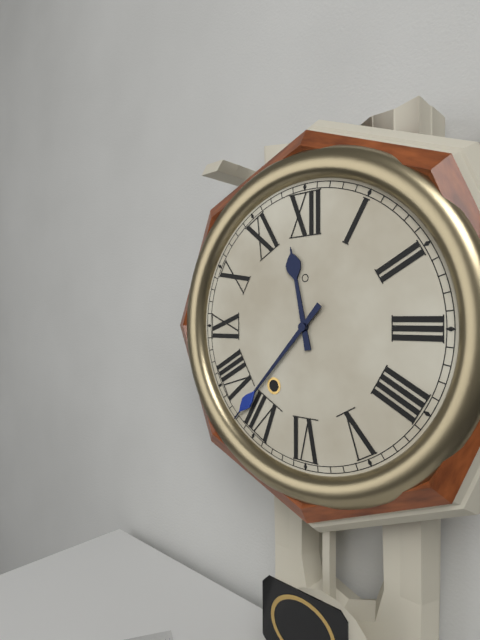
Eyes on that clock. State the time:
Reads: 11:37
